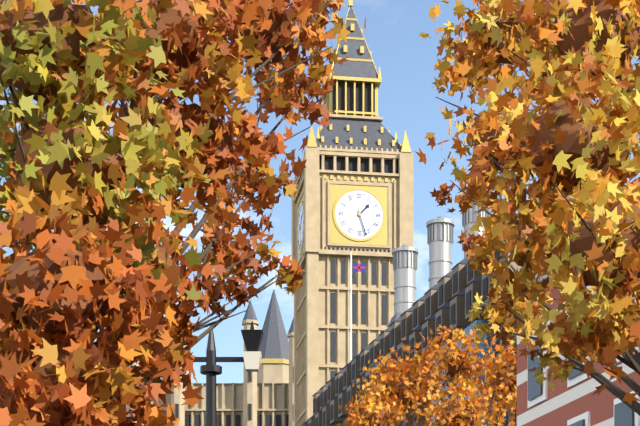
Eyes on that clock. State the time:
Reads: 1:27
